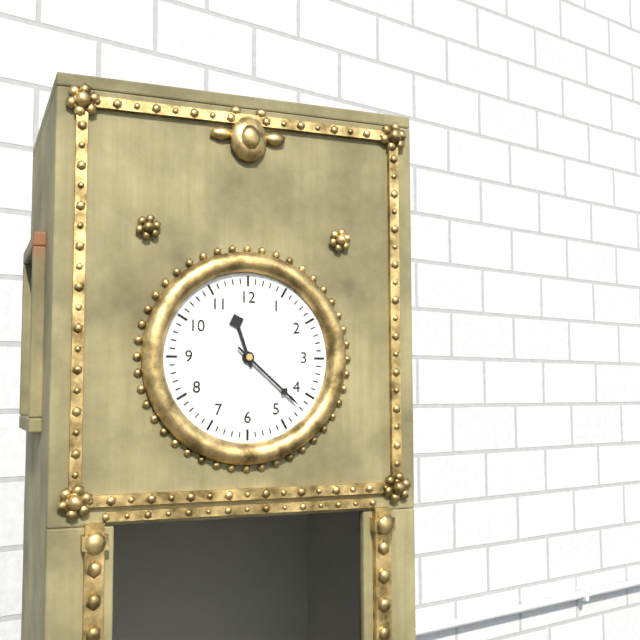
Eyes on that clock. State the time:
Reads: 11:22
